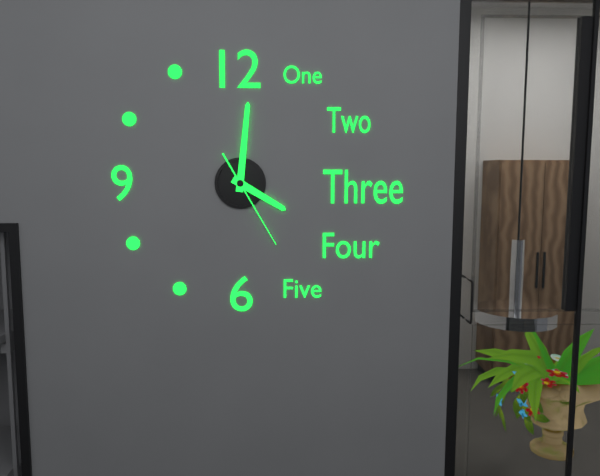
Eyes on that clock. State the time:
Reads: 4:01:25
